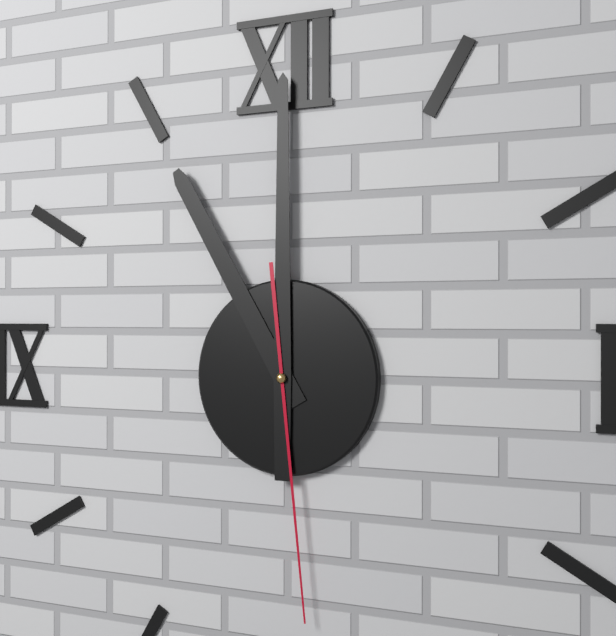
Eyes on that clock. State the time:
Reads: 11:00:29
